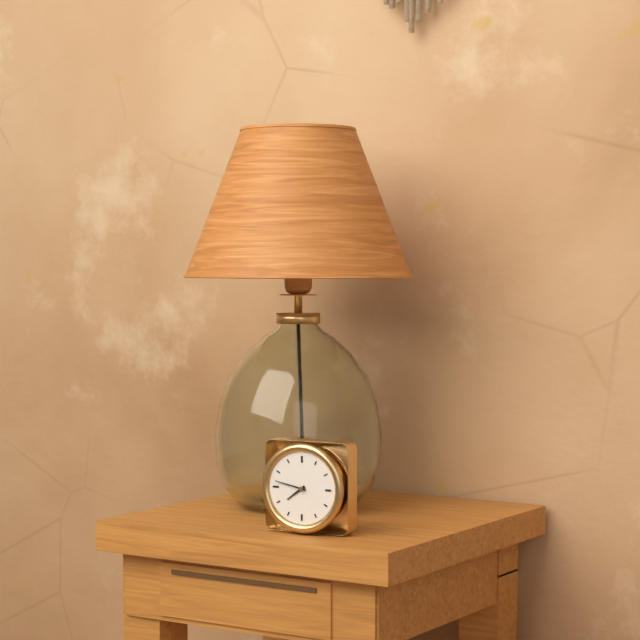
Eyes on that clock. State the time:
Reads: 7:47
